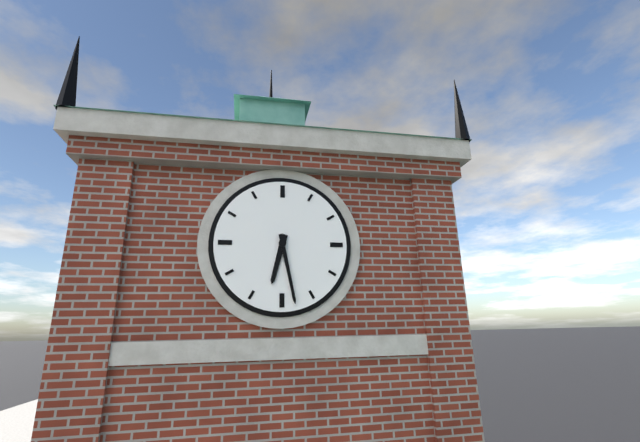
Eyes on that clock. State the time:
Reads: 6:28
